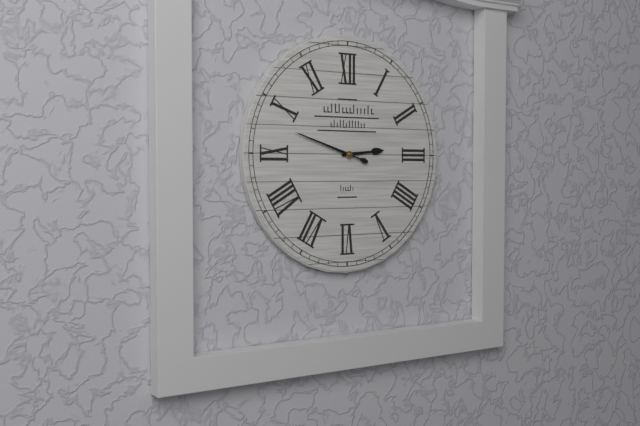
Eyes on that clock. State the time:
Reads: 2:48
